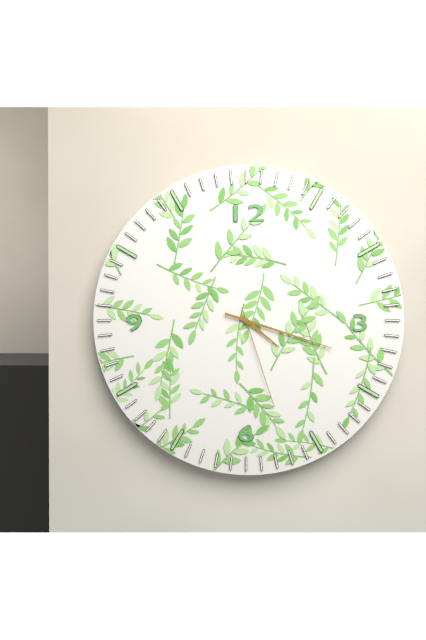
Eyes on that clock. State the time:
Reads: 4:18:27
